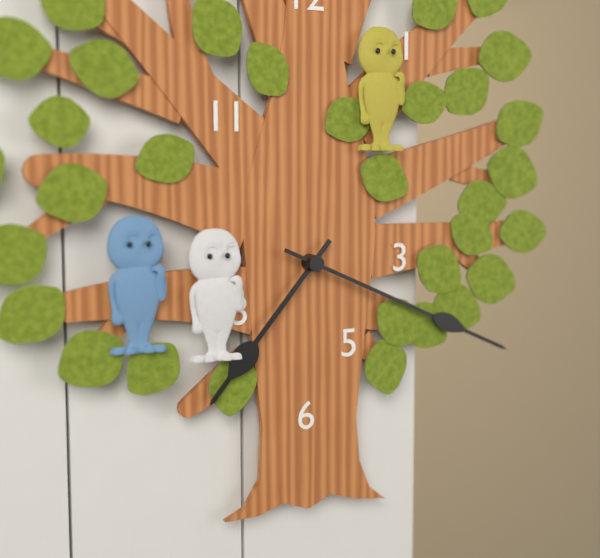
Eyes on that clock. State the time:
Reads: 7:19
